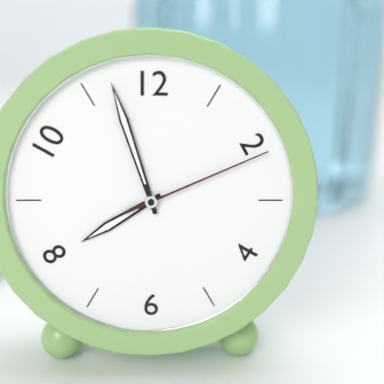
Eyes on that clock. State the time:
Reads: 7:57:11
